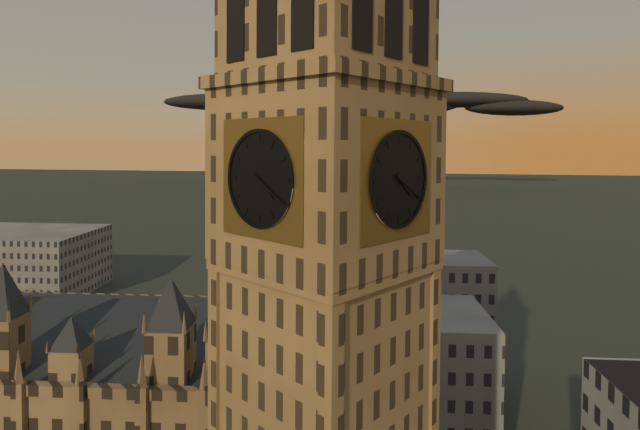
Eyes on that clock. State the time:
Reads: 4:20
